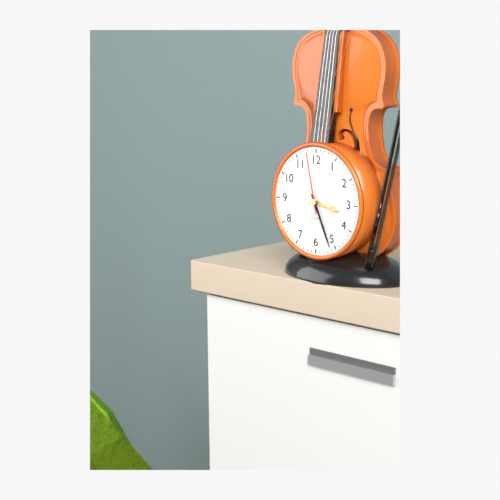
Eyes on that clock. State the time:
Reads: 3:26:58
